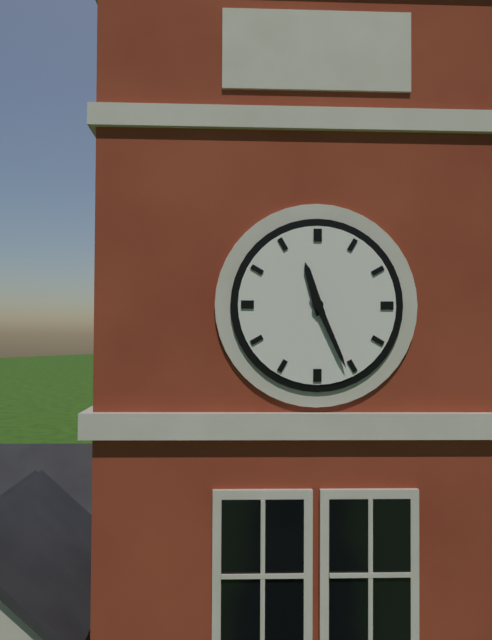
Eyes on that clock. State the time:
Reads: 11:26
